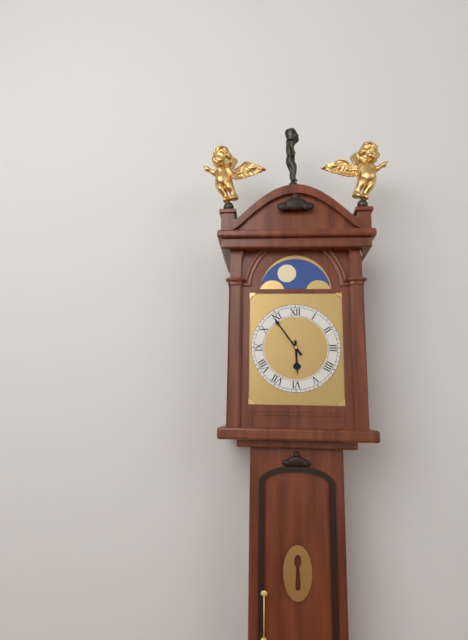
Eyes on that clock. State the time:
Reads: 5:54
